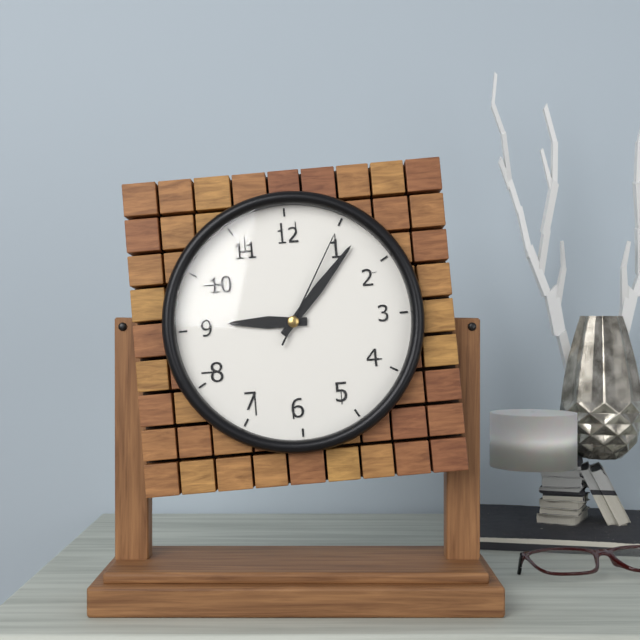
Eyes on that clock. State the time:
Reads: 9:07:05
